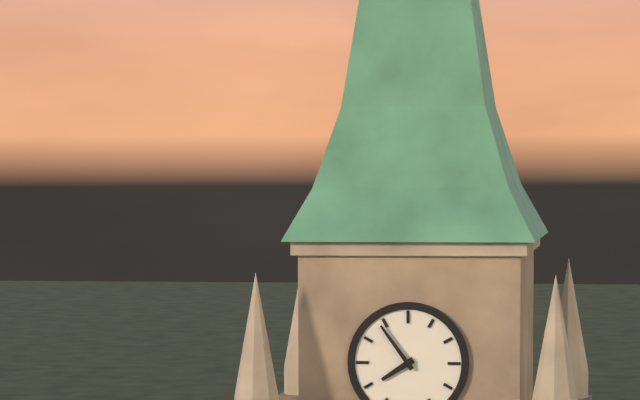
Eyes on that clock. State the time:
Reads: 7:54
